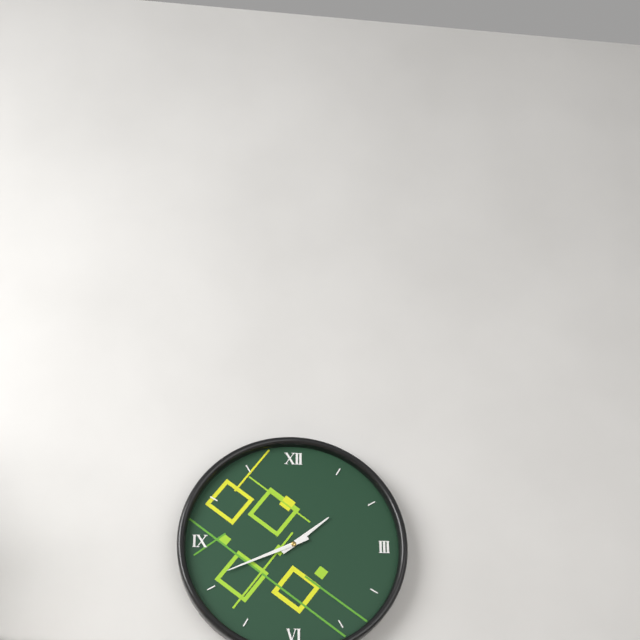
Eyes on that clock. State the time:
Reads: 1:41
